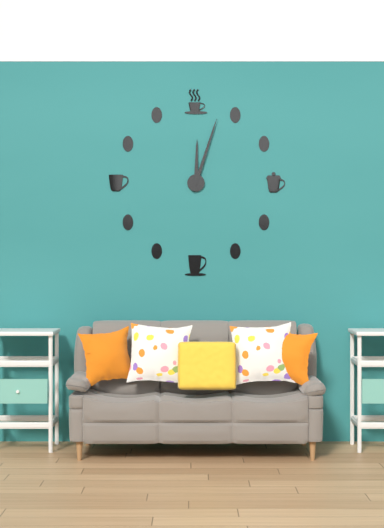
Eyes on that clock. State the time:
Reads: 12:03
